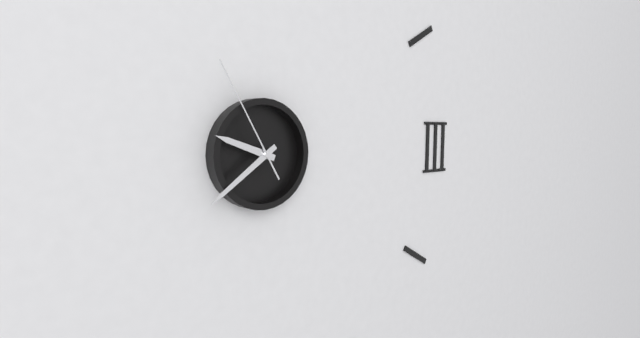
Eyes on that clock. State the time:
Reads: 9:39:55
